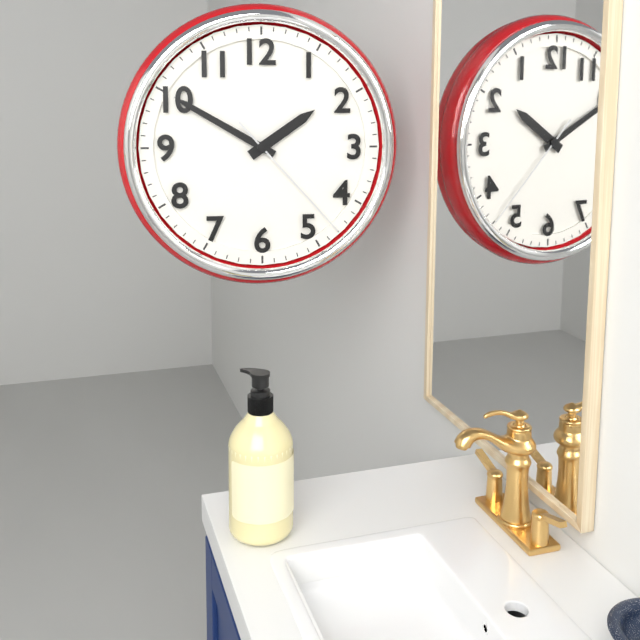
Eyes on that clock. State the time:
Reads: 1:50:23
